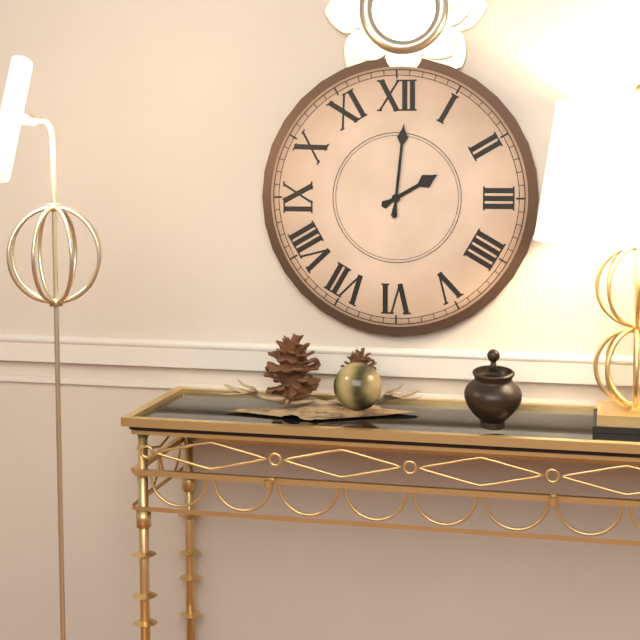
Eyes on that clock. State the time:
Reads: 2:01
